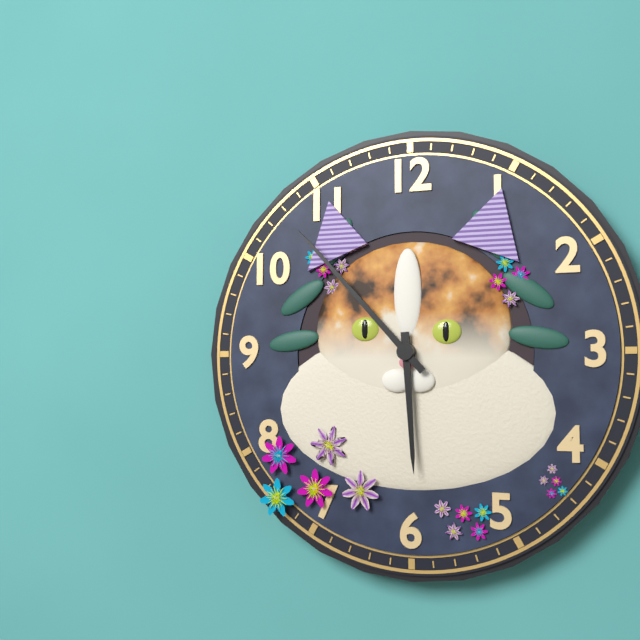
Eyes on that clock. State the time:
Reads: 5:53
